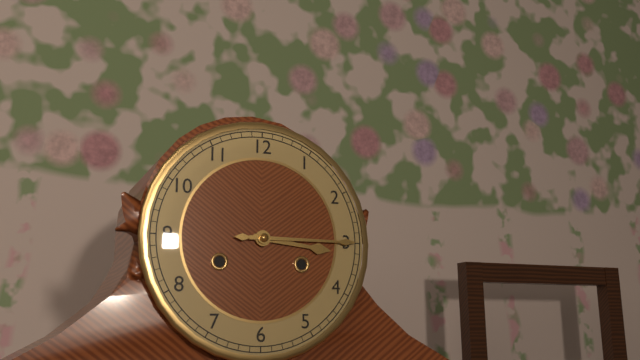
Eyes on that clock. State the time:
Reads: 3:15
